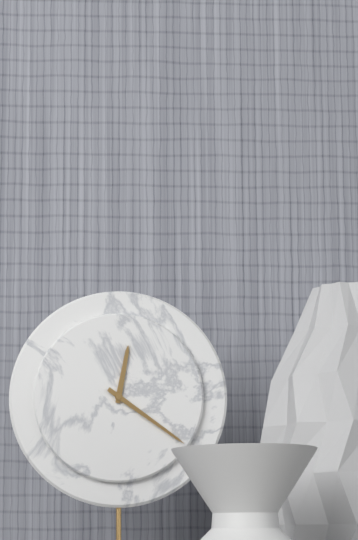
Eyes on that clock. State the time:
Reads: 12:21
